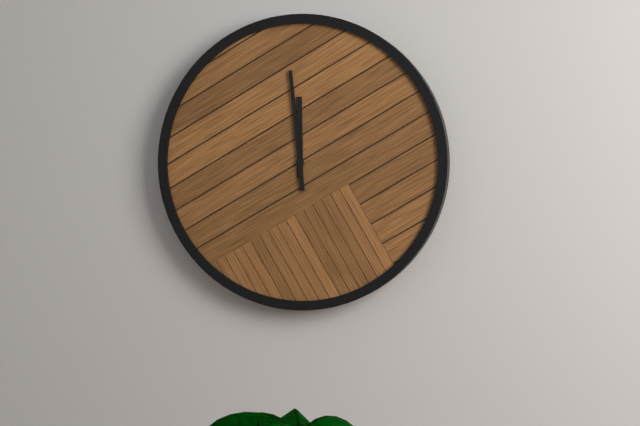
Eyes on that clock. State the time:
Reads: 11:59
